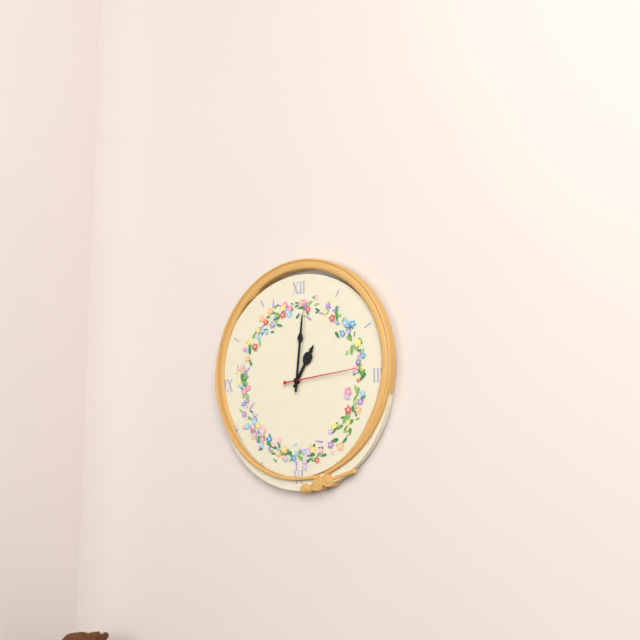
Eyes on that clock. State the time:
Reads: 1:01:14
